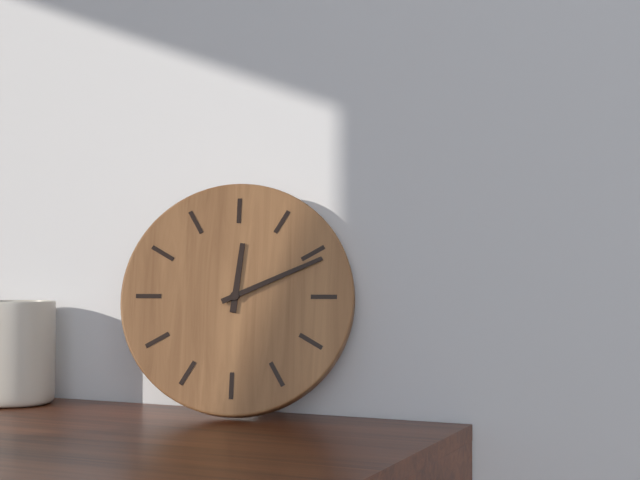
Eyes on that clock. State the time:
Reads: 12:11
